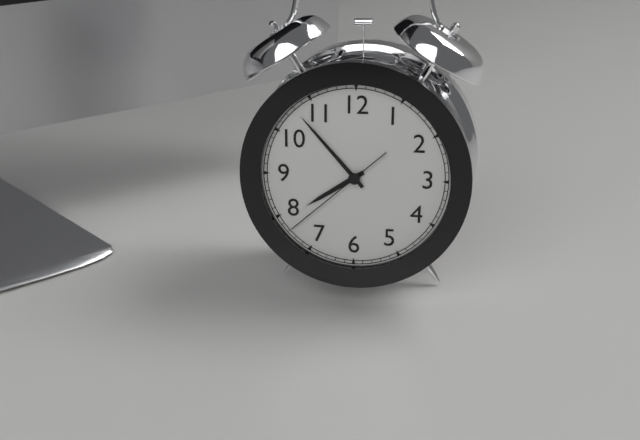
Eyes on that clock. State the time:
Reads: 7:53:38
